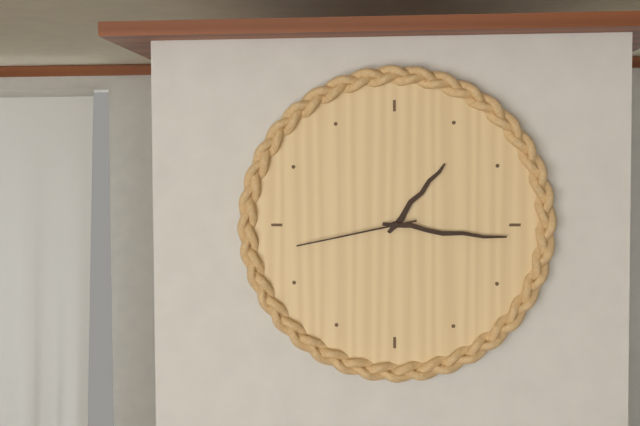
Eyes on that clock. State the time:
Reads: 1:16:43
